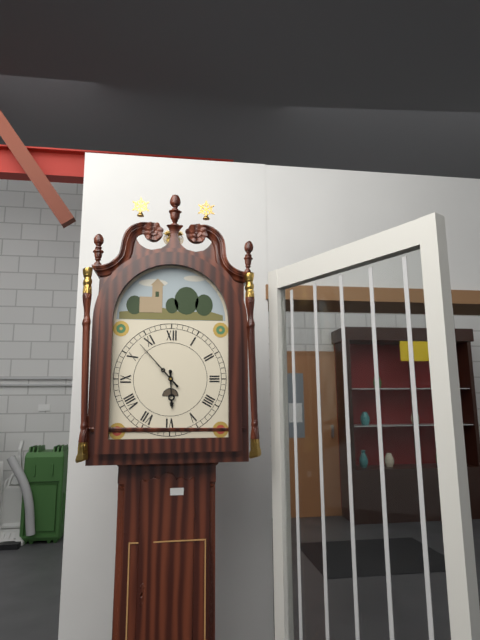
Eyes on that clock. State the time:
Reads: 5:53
